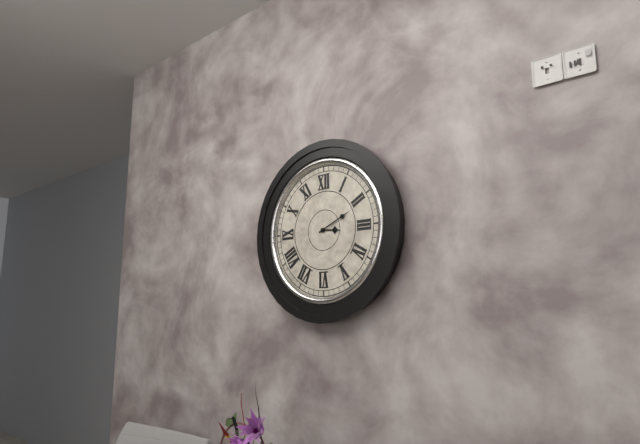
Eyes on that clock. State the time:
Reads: 3:11
